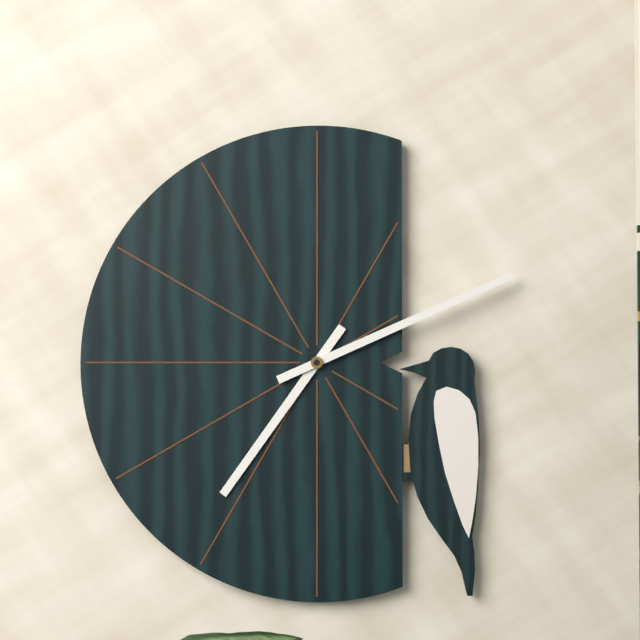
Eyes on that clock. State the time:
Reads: 7:11
